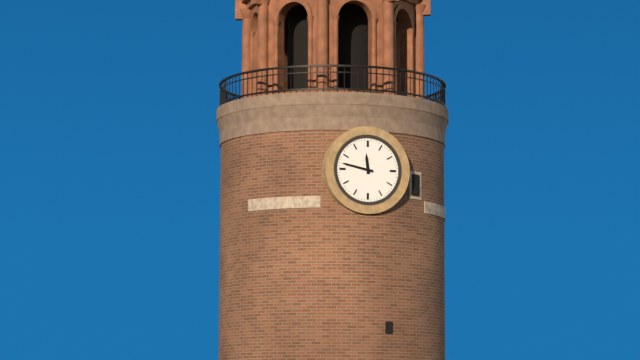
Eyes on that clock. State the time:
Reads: 11:47
